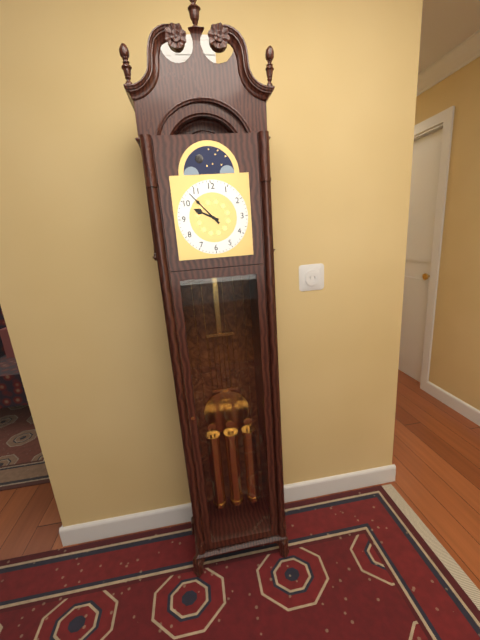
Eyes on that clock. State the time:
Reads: 9:53
